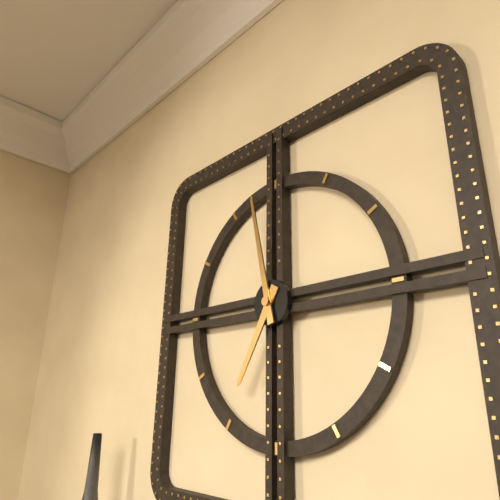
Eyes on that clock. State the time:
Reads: 6:58
